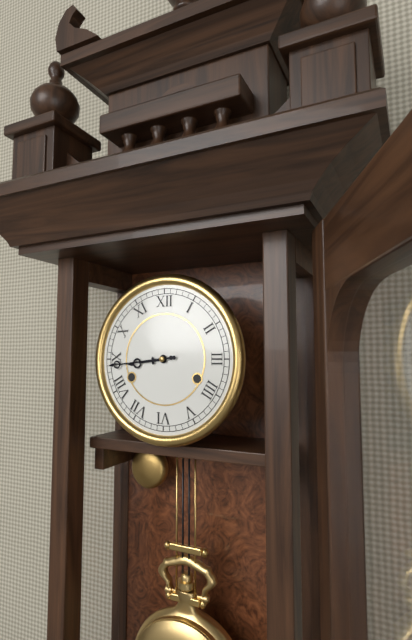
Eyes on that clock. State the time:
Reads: 8:44
